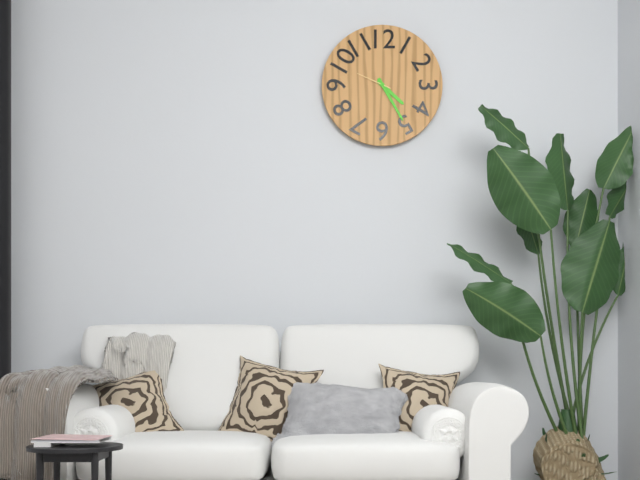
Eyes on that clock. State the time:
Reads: 4:25
